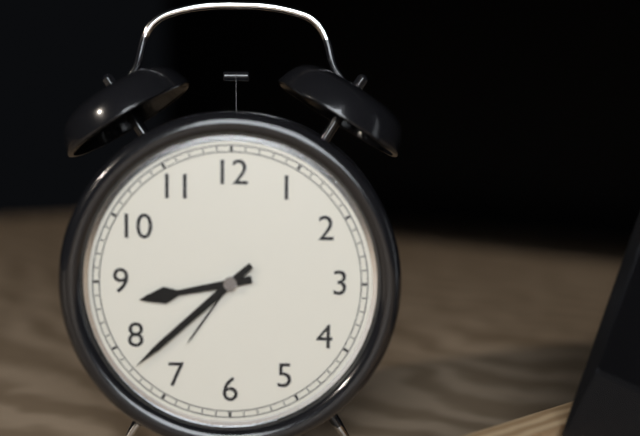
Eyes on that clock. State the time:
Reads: 8:38
